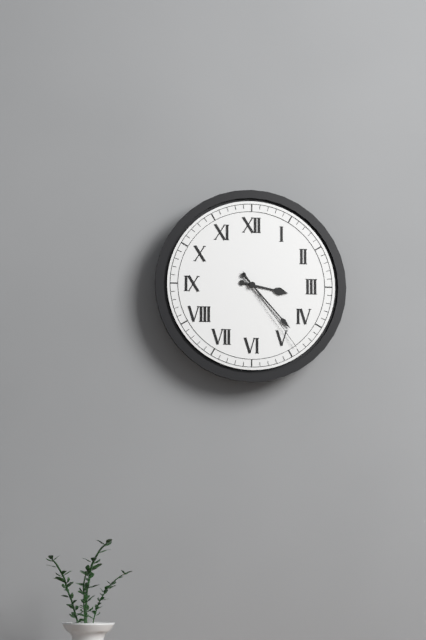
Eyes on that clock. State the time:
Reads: 3:23:24
